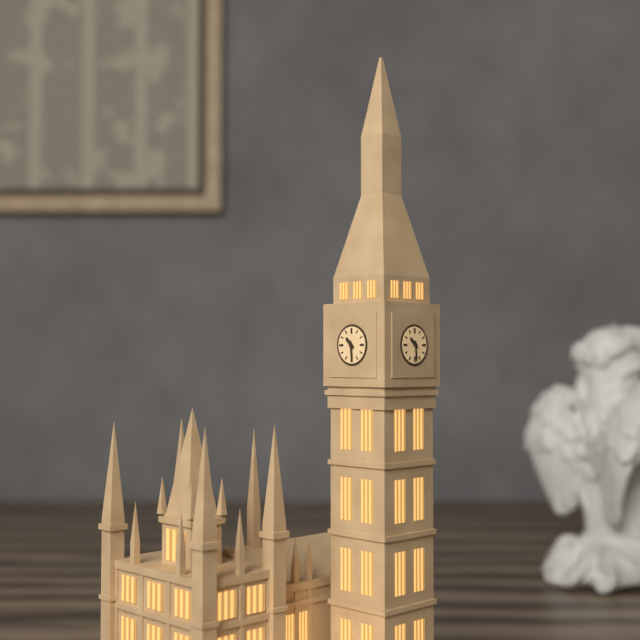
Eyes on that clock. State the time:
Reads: 10:29
